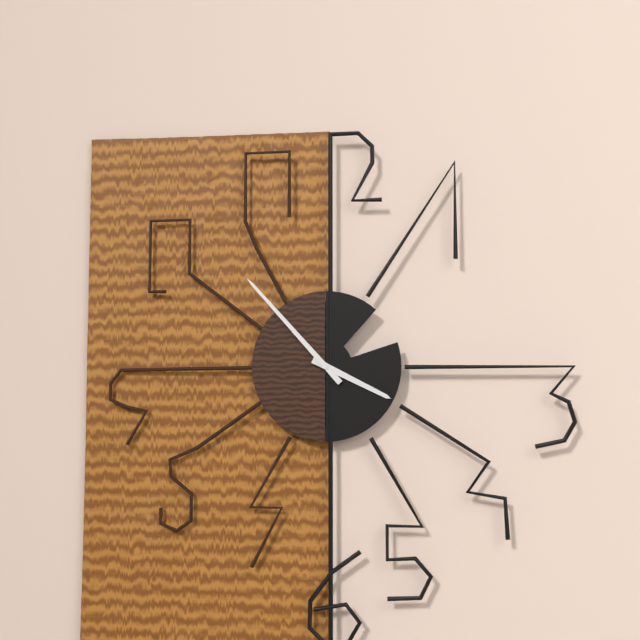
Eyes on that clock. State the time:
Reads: 3:53
